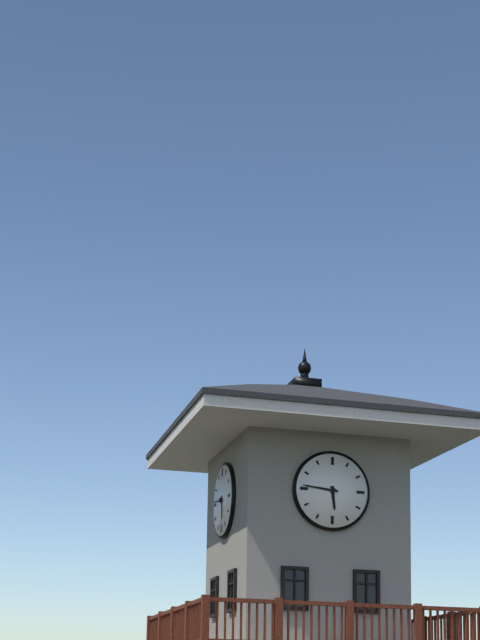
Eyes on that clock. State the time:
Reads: 5:46
